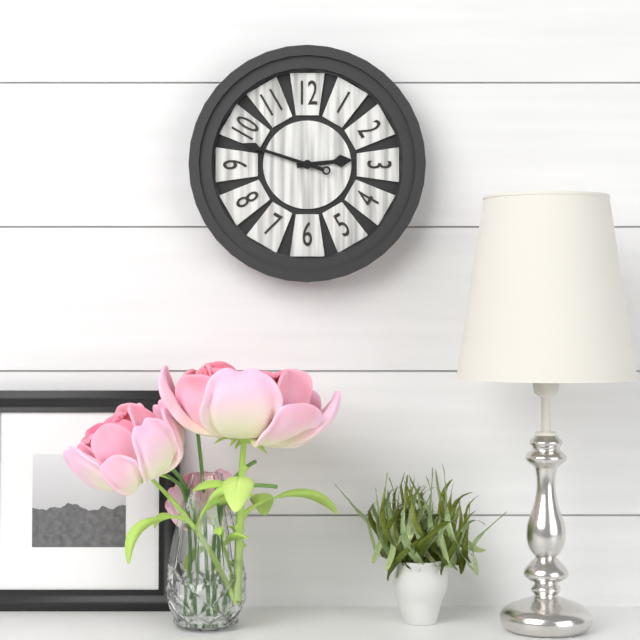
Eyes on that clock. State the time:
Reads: 2:48
